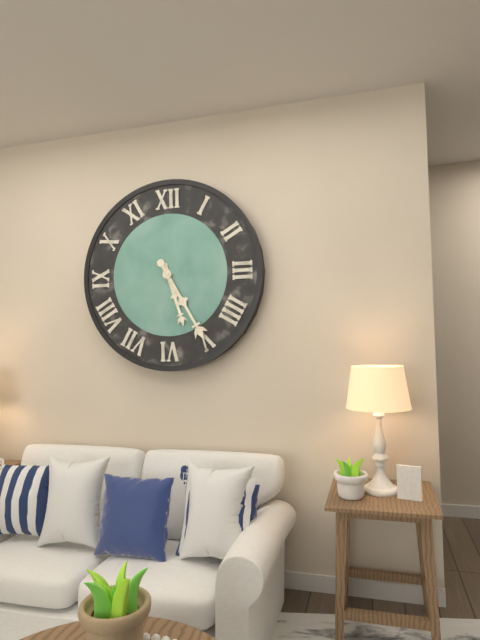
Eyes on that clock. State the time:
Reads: 5:25
